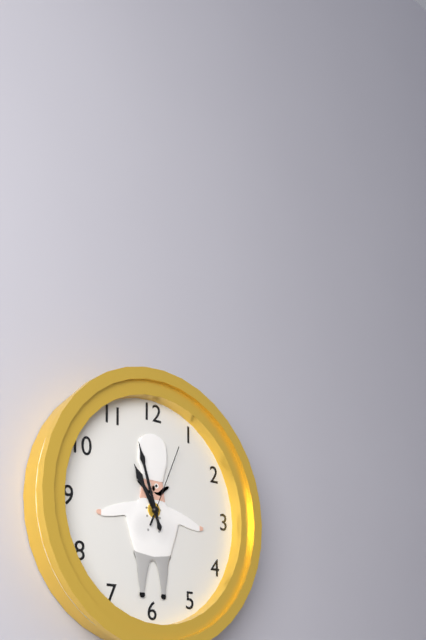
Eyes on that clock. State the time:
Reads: 10:57:04
